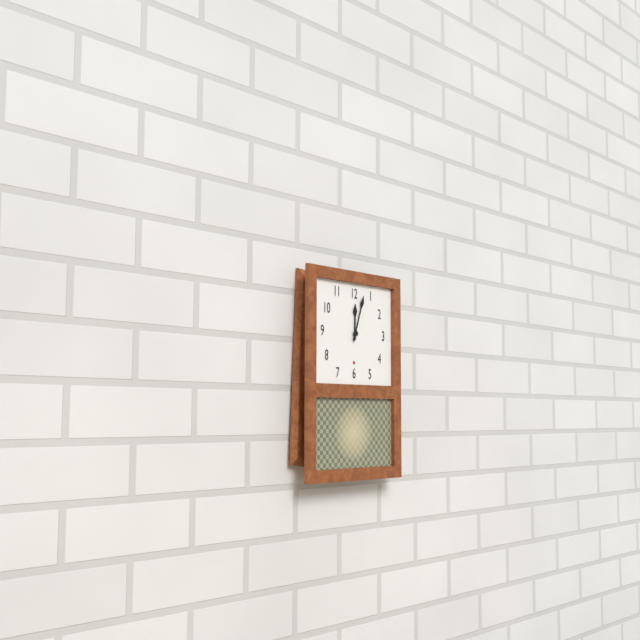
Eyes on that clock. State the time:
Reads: 12:03
